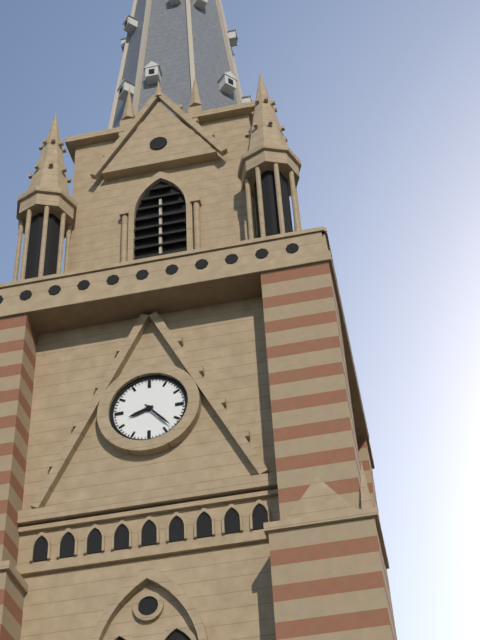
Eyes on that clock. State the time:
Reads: 8:23
